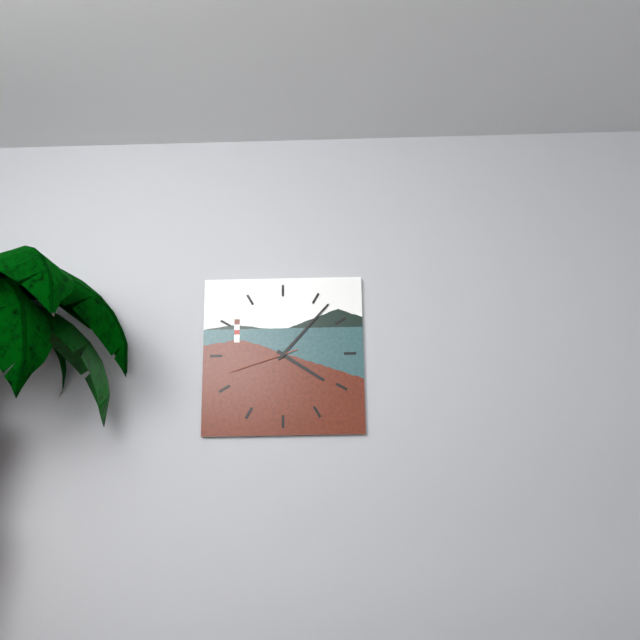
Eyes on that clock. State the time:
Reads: 4:07:42
